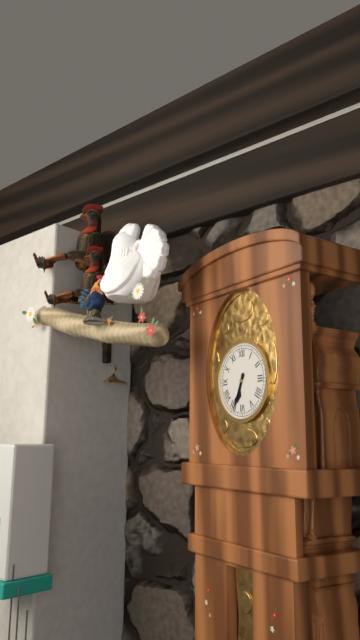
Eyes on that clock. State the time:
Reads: 6:34
